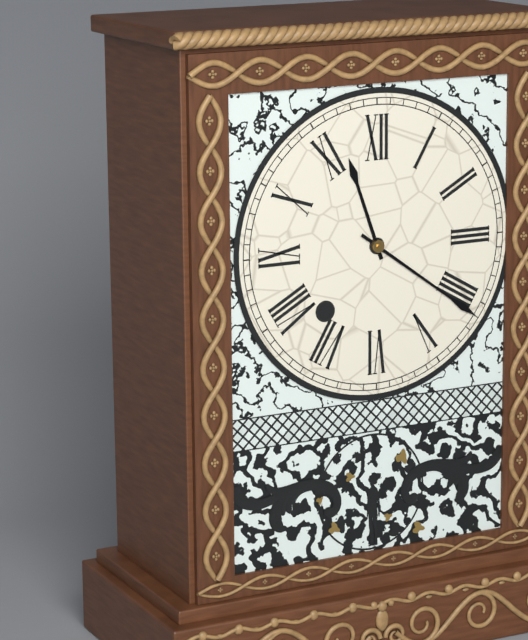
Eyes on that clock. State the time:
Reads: 11:21
